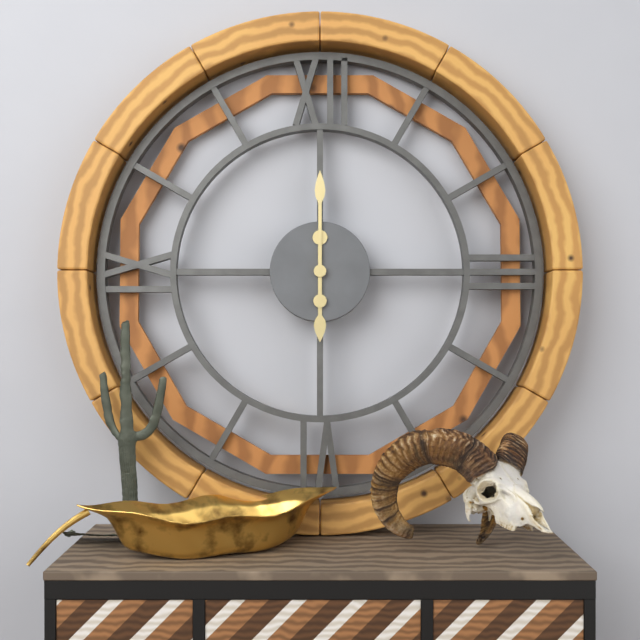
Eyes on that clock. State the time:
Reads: 6:00
